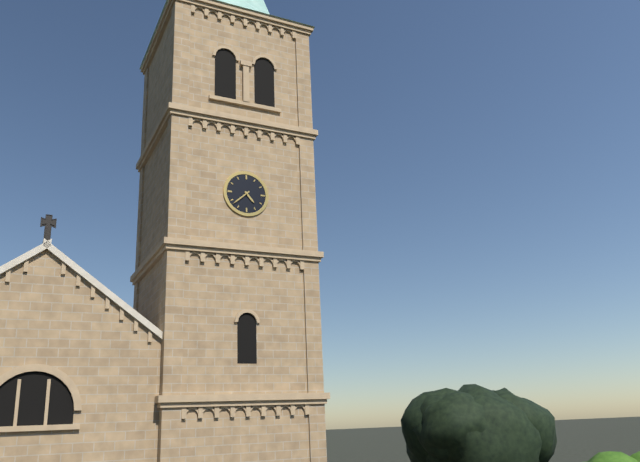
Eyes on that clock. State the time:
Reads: 4:38
